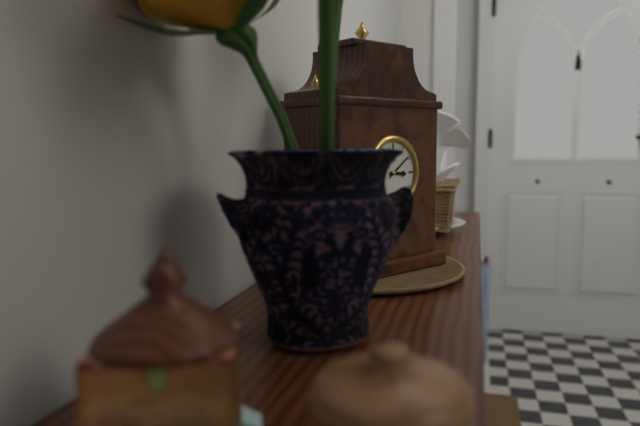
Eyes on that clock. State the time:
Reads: 3:09
